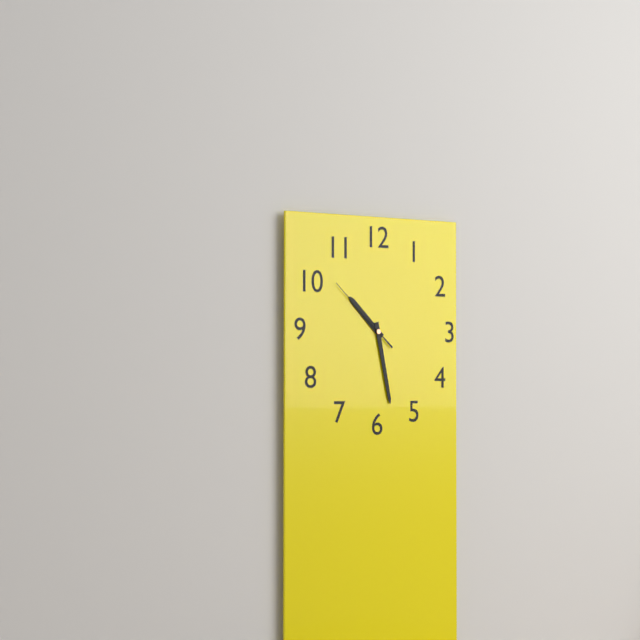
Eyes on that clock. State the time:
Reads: 10:28:52
